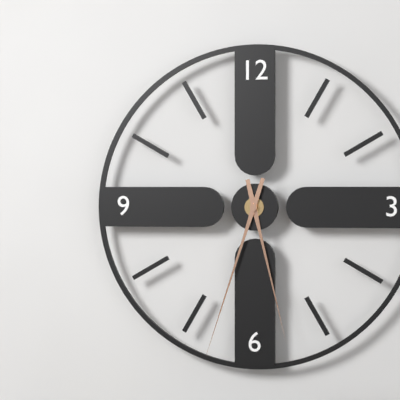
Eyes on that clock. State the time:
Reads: 5:33
